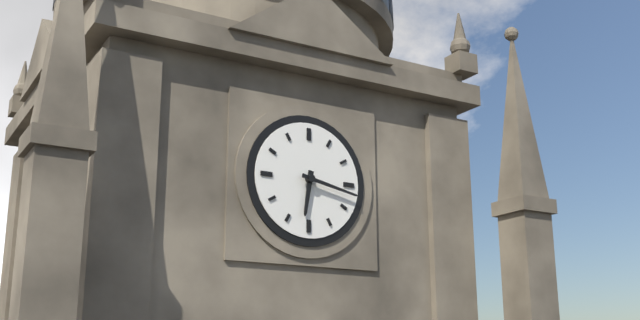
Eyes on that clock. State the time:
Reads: 6:17
